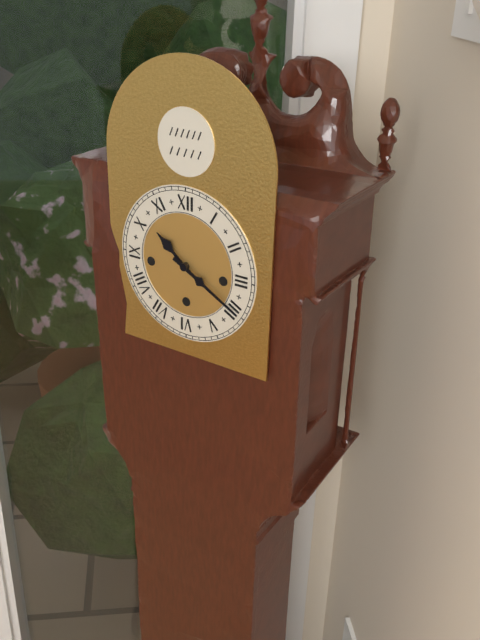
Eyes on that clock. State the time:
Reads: 10:20
